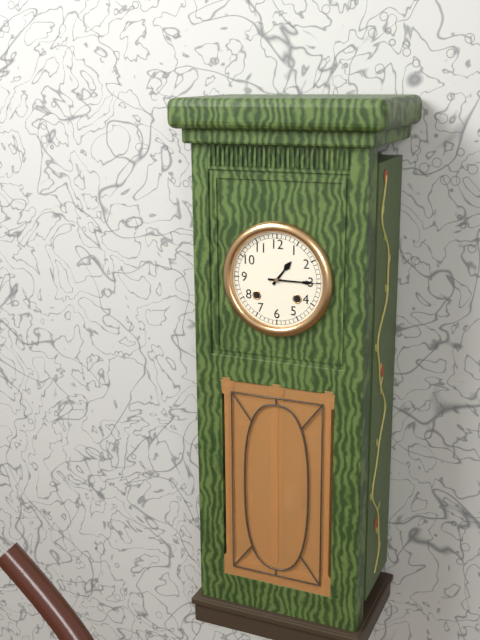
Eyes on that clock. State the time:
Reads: 1:15
